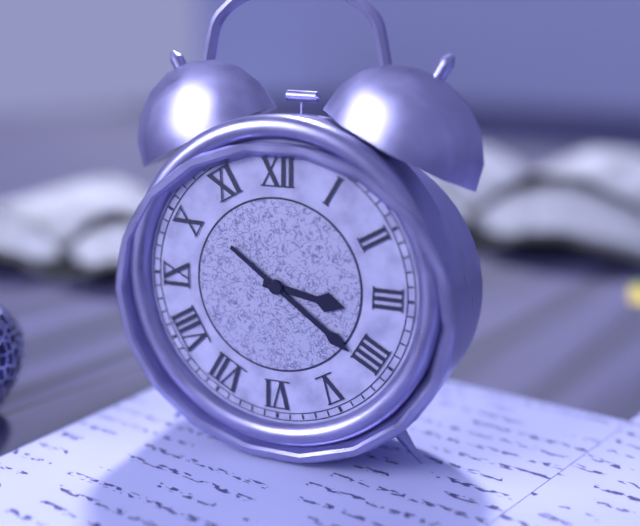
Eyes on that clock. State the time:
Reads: 3:21
